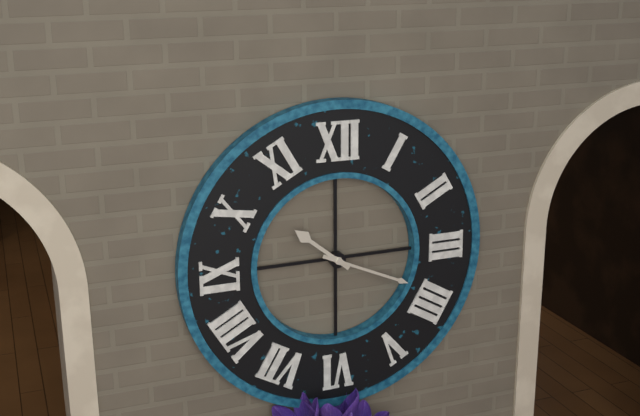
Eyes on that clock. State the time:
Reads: 10:19
